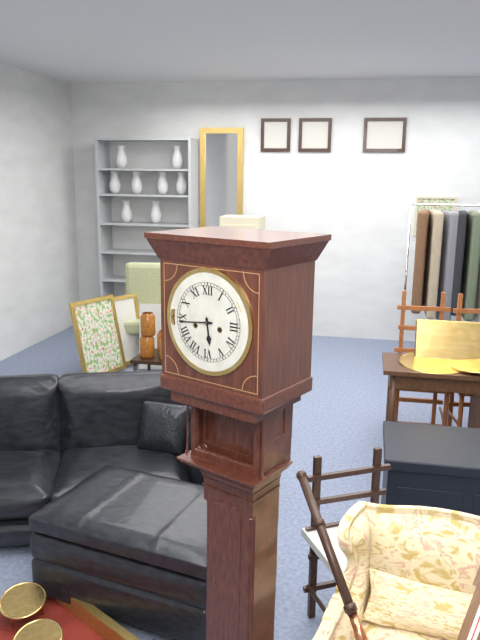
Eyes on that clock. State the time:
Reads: 5:44
